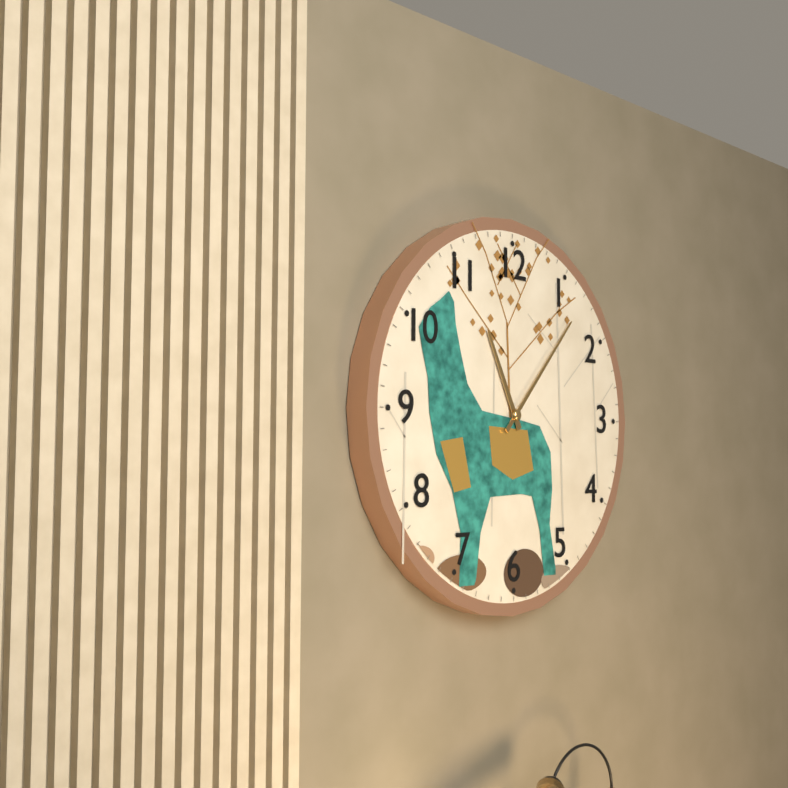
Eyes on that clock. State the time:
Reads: 11:07
